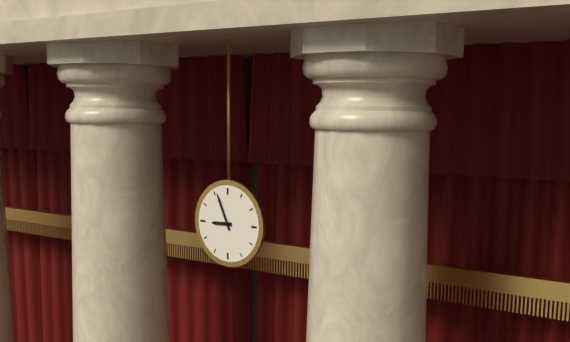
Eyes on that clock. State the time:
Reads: 8:56
